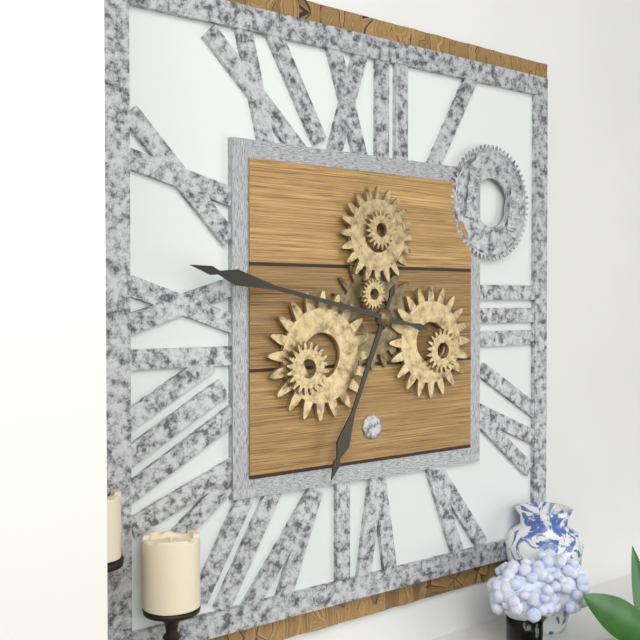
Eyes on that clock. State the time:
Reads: 6:47
